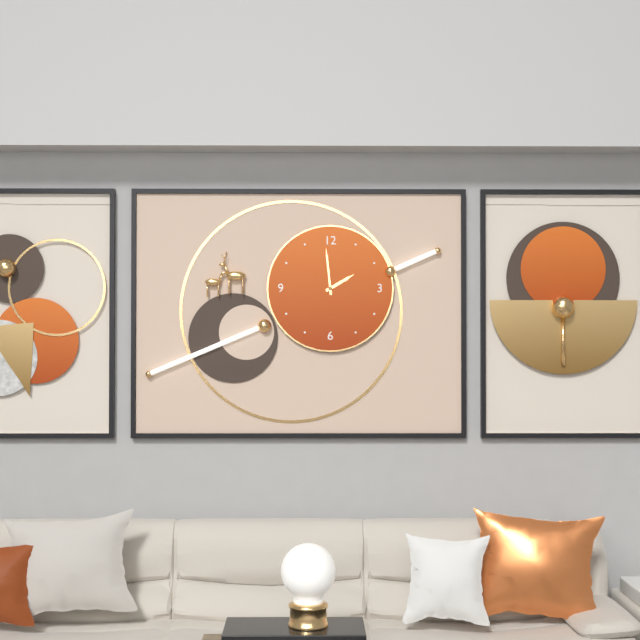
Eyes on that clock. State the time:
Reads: 1:59
